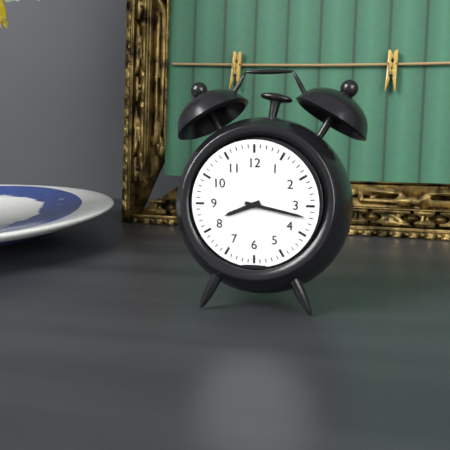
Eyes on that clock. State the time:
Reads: 8:17
